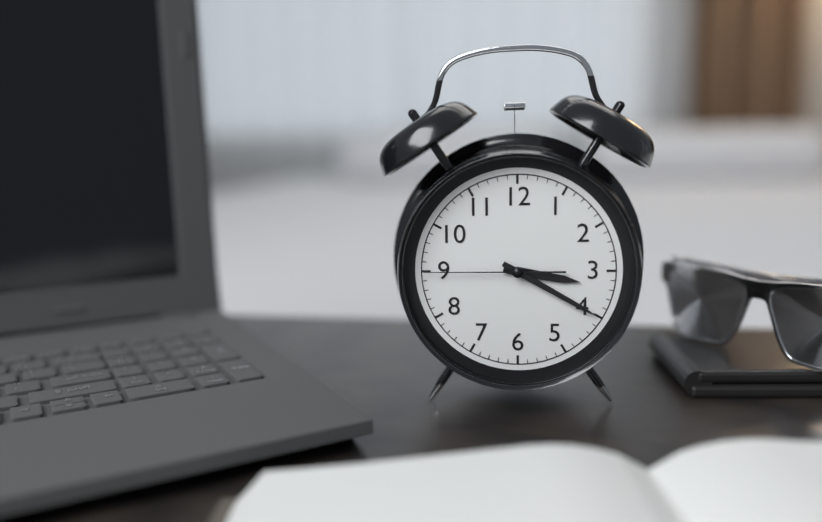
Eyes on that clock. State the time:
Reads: 3:20:45
